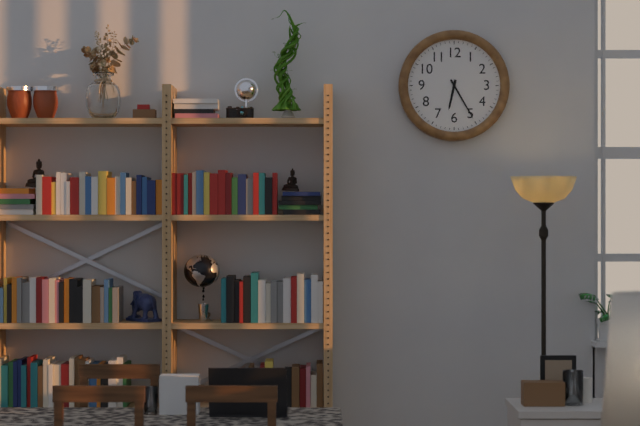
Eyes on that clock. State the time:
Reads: 6:25
